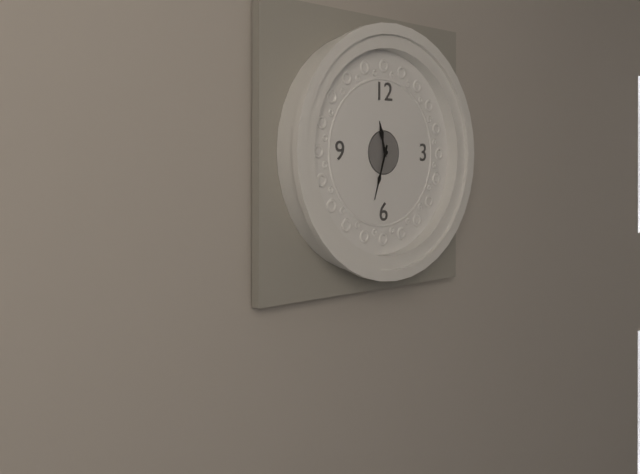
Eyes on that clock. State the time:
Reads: 11:33
